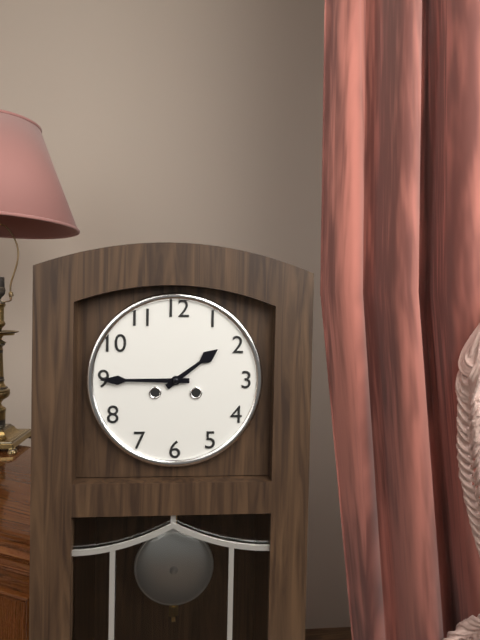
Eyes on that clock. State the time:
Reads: 1:45
